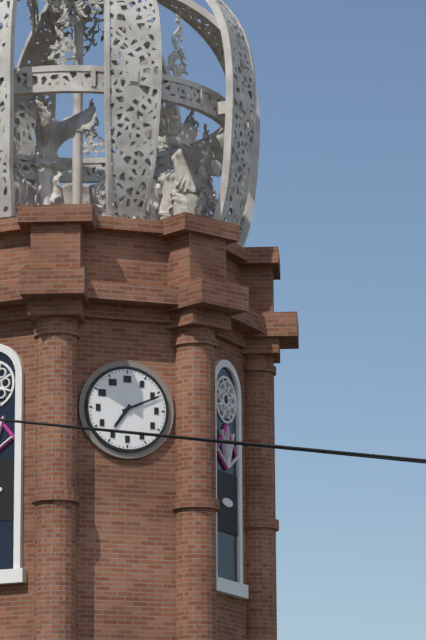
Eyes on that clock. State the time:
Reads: 7:11
